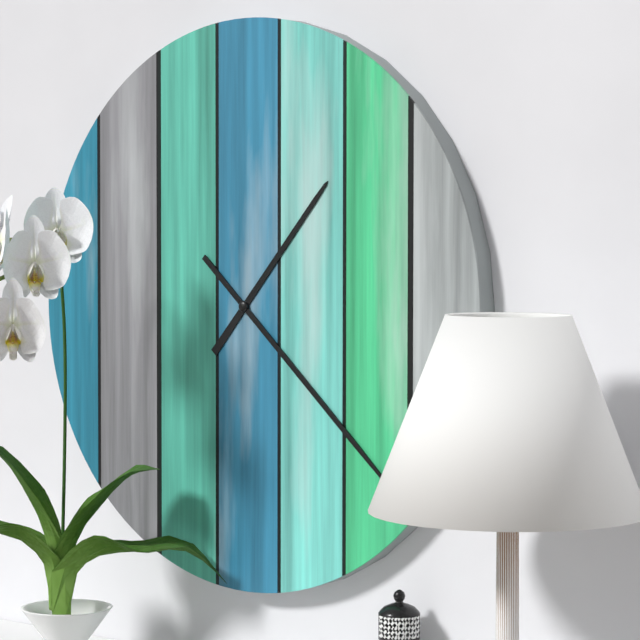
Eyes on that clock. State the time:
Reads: 1:22
